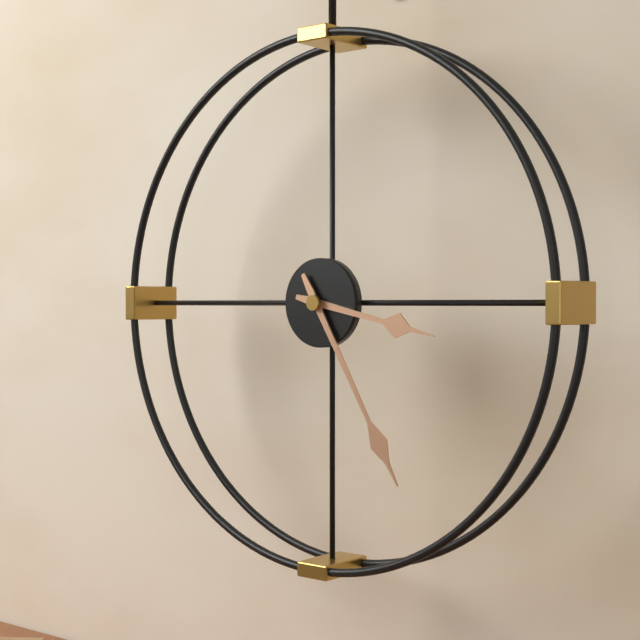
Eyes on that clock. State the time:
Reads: 3:25
